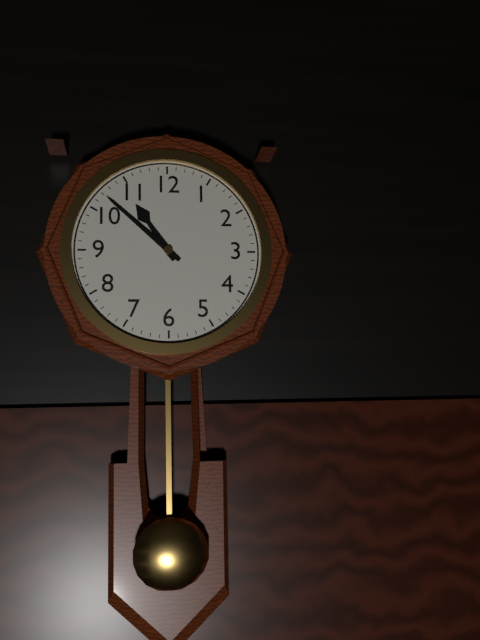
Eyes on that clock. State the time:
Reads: 10:52
